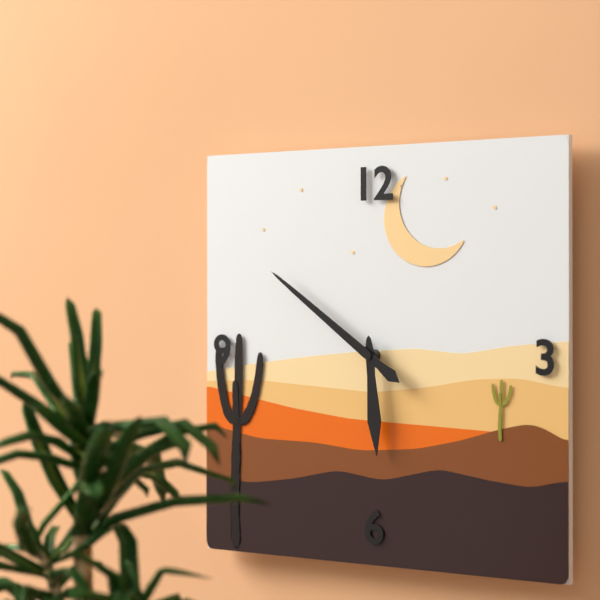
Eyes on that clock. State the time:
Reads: 5:51
